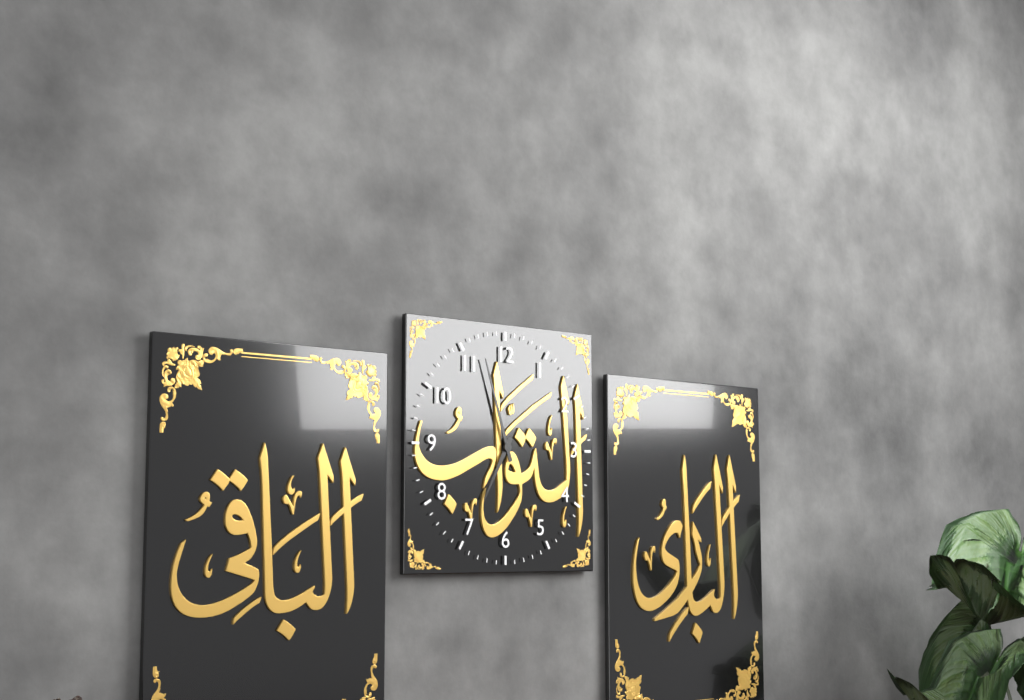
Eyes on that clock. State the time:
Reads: 6:57
